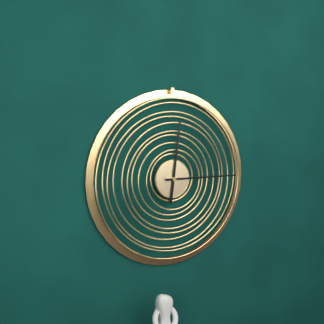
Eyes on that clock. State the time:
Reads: 12:15
